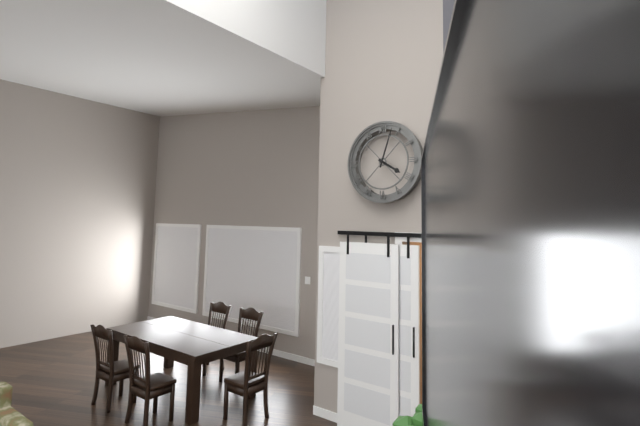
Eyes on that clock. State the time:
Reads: 4:03
